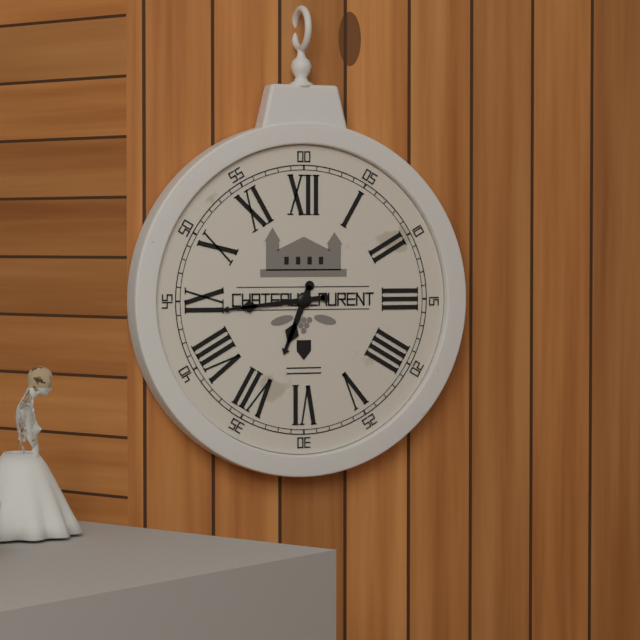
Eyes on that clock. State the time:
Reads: 6:44
